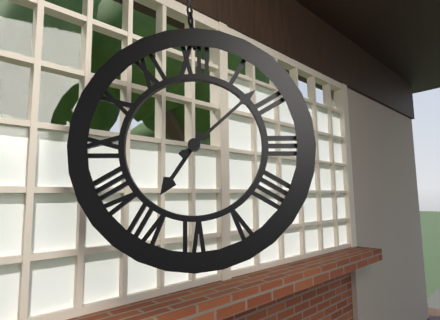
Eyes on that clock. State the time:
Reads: 7:08
